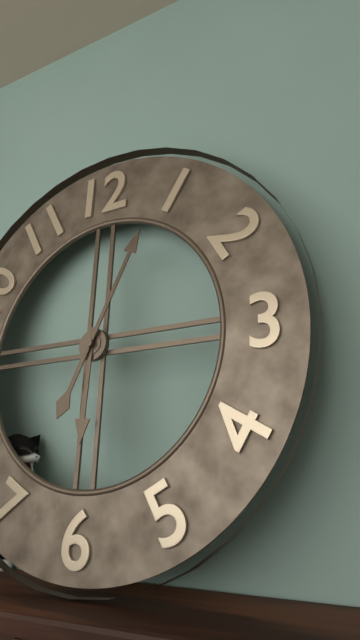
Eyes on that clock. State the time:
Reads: 6:04
